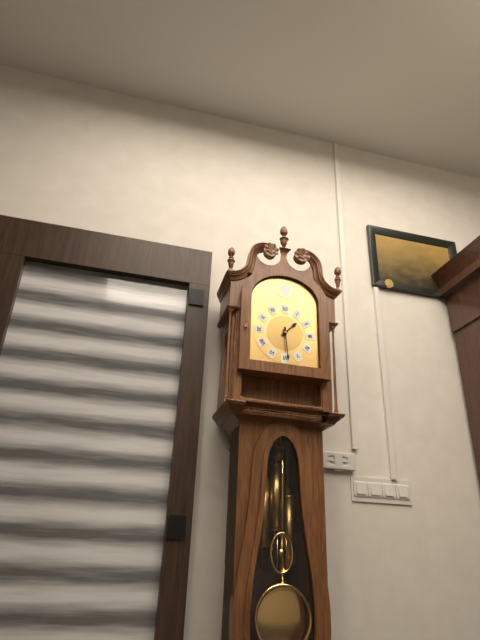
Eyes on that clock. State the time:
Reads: 1:29
